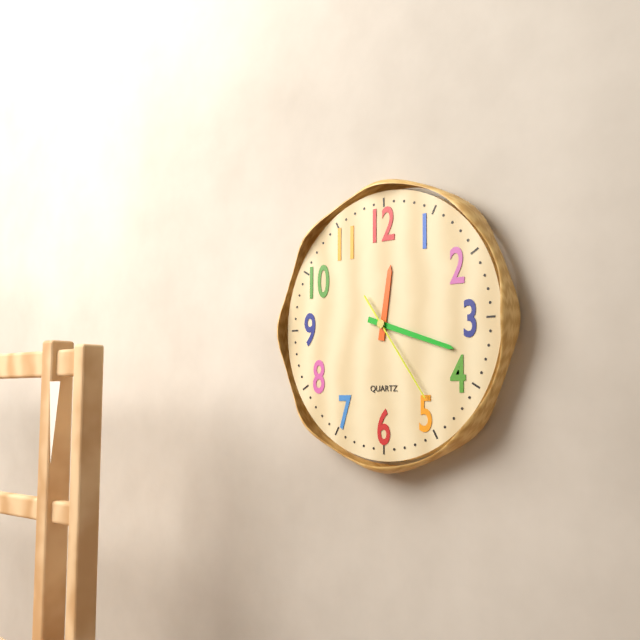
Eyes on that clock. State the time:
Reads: 12:18:24
